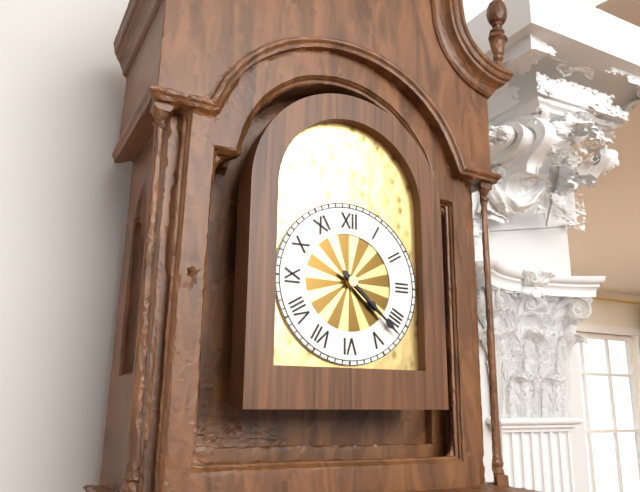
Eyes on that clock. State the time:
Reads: 4:22
